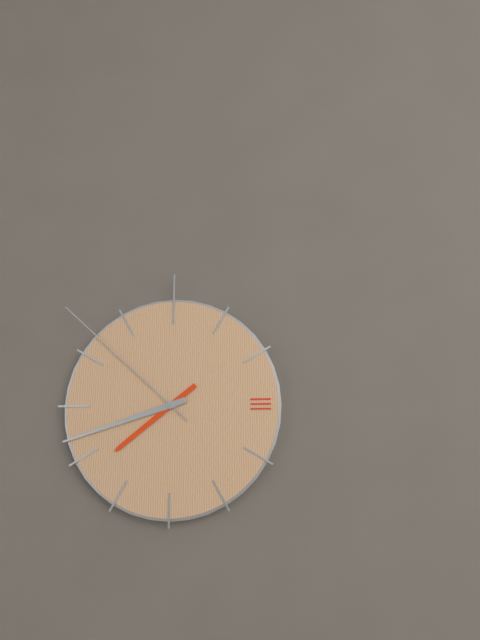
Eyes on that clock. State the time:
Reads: 7:42:52
